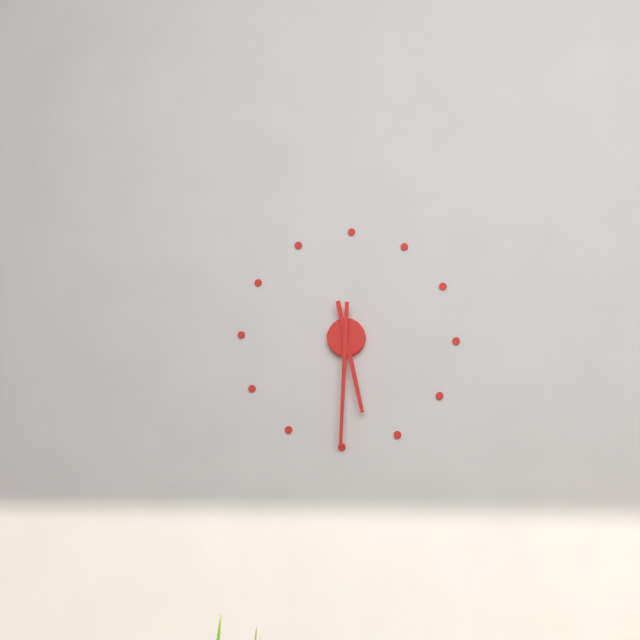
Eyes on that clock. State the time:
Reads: 5:30
